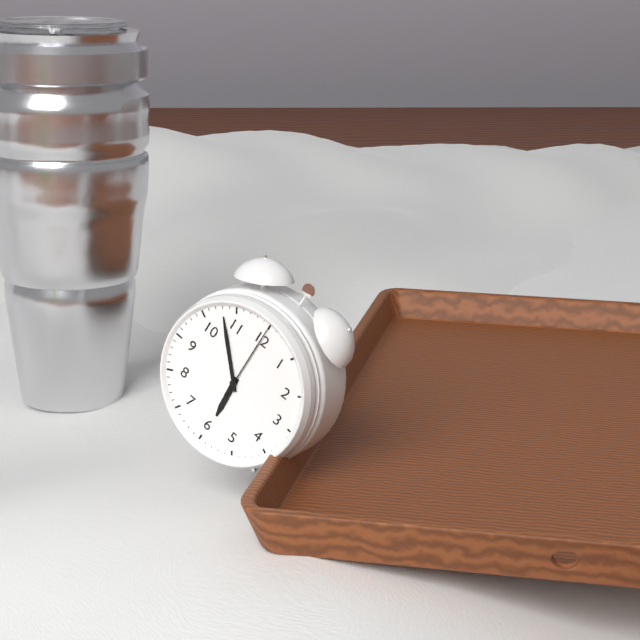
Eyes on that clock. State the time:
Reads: 5:53:00
